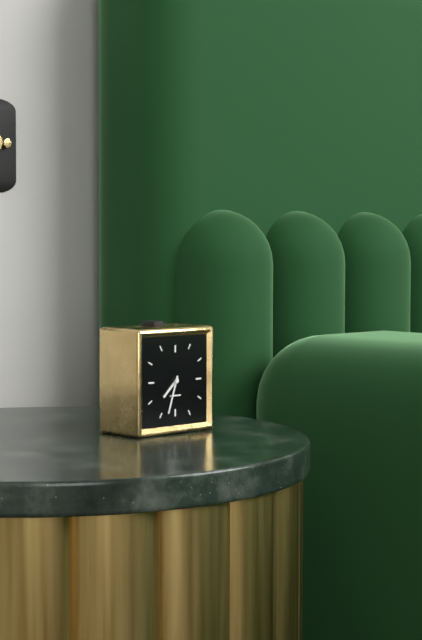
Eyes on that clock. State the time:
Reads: 7:33
